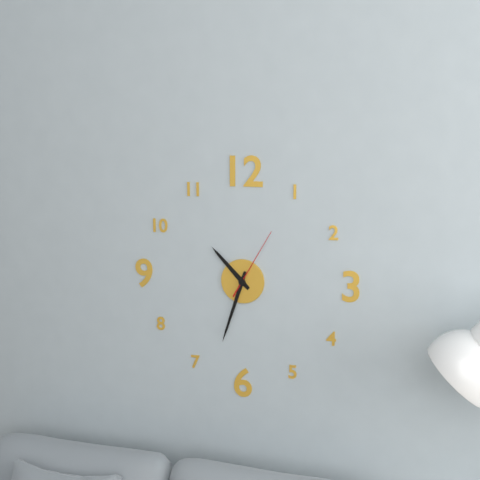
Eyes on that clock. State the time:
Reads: 10:33:05
